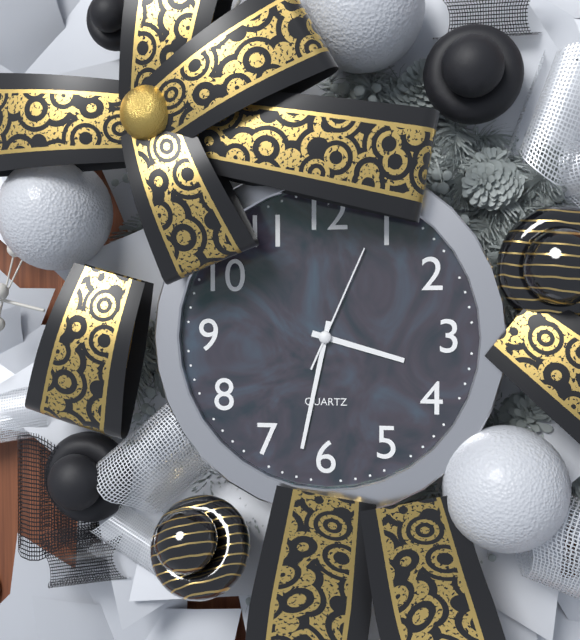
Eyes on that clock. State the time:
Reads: 3:32:04
